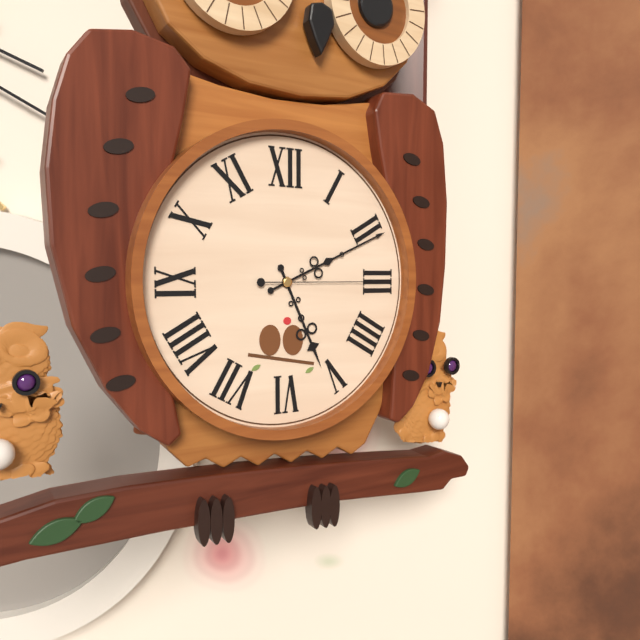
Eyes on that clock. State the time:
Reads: 5:11:15
